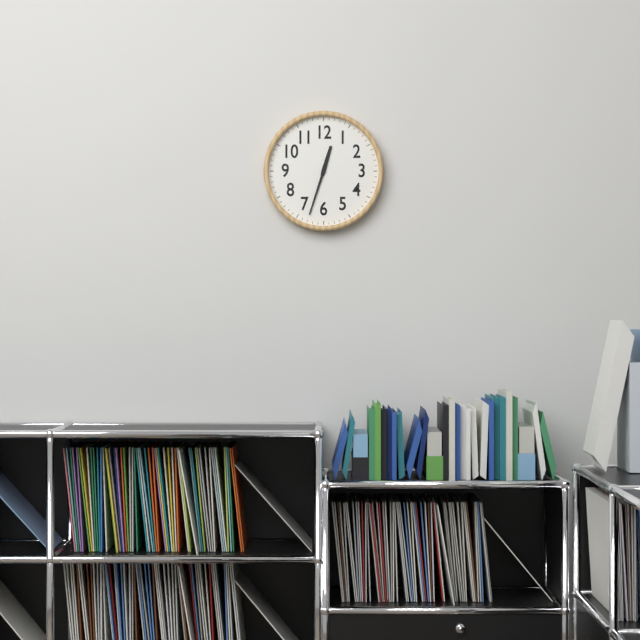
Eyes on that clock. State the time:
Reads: 12:33
